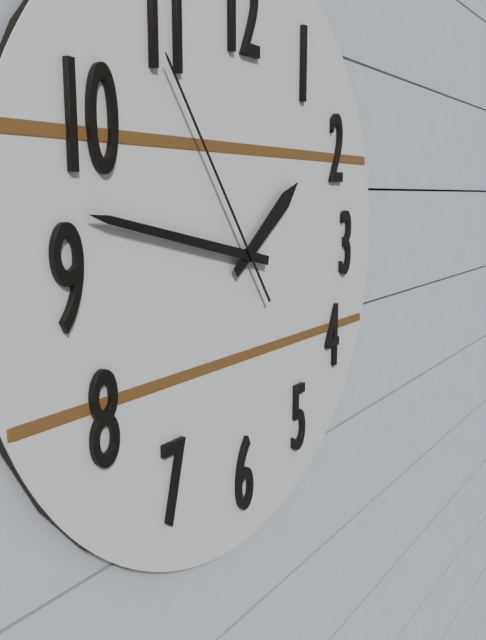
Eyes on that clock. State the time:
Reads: 1:47:54
